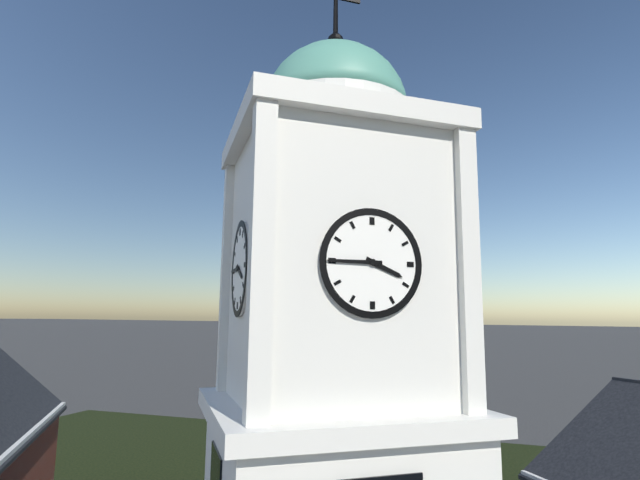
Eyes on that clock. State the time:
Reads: 3:45
